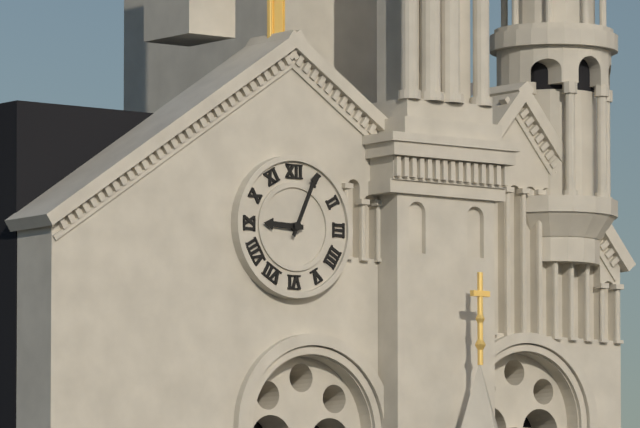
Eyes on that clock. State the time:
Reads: 9:04
